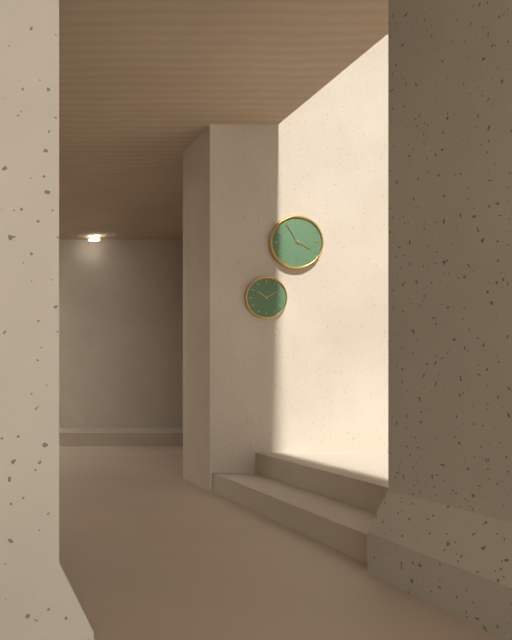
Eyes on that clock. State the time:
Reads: 3:55
